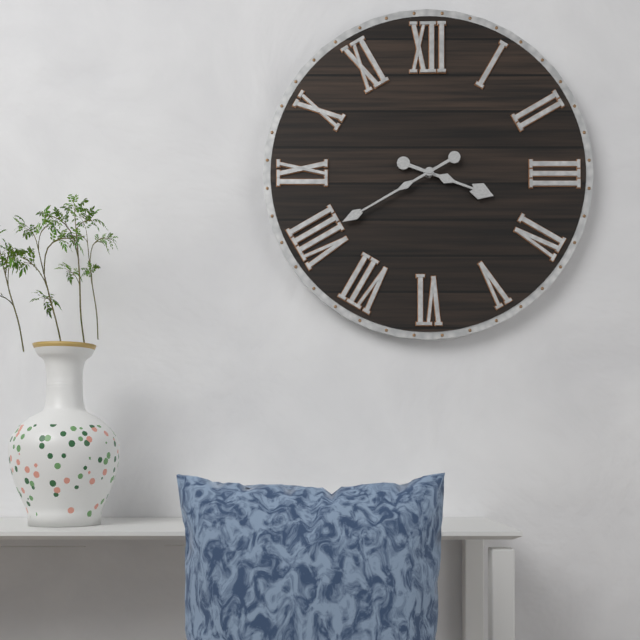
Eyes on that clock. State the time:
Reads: 3:40
